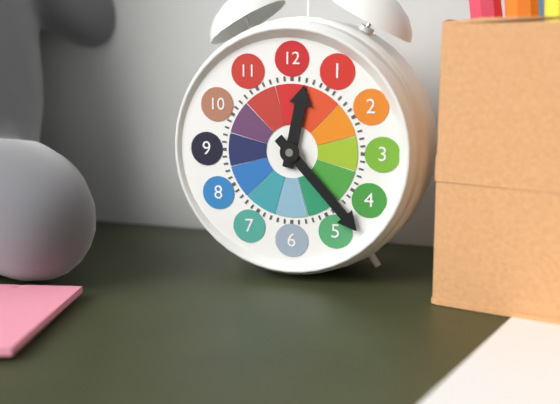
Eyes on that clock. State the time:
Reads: 12:23
